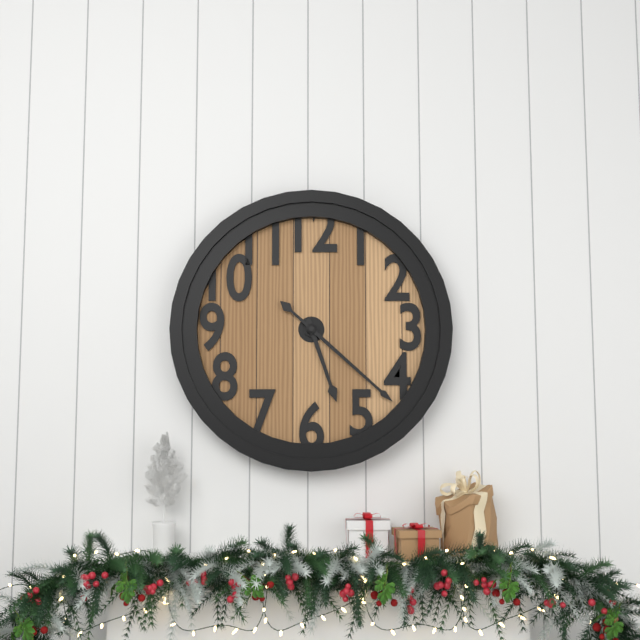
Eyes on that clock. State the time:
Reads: 5:22
